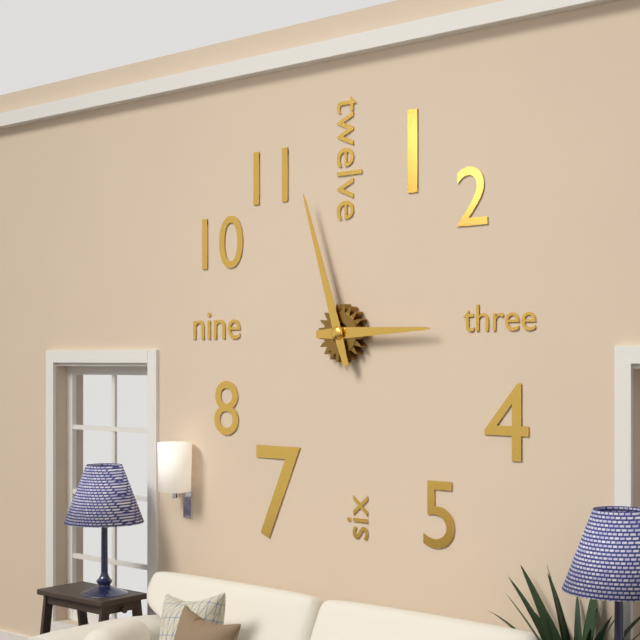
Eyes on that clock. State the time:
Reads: 2:57
